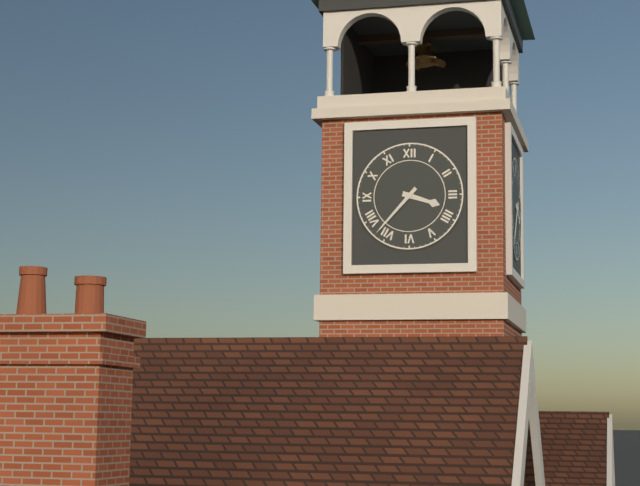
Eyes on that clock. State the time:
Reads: 3:37
